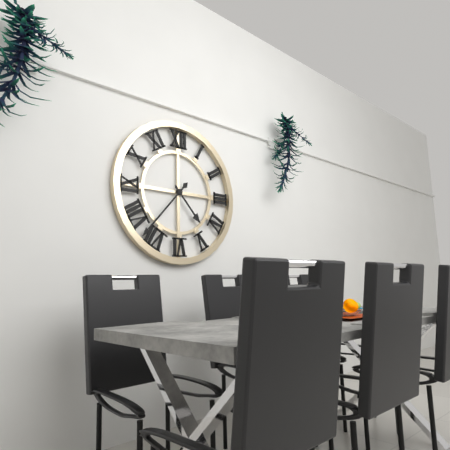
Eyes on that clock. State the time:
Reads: 4:37
